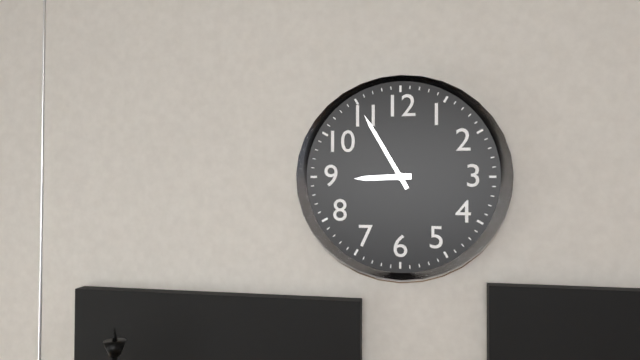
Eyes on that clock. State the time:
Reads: 8:55
